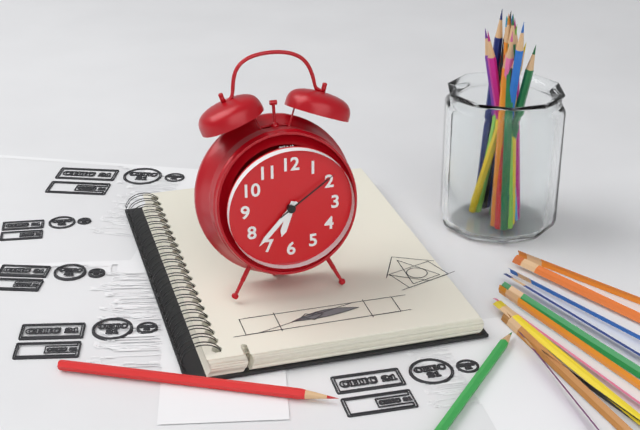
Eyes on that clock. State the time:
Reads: 6:37:09
